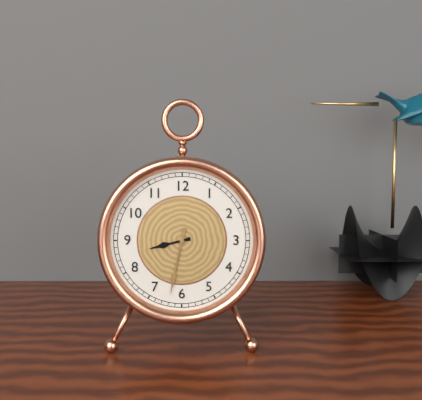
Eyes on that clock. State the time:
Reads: 8:32
